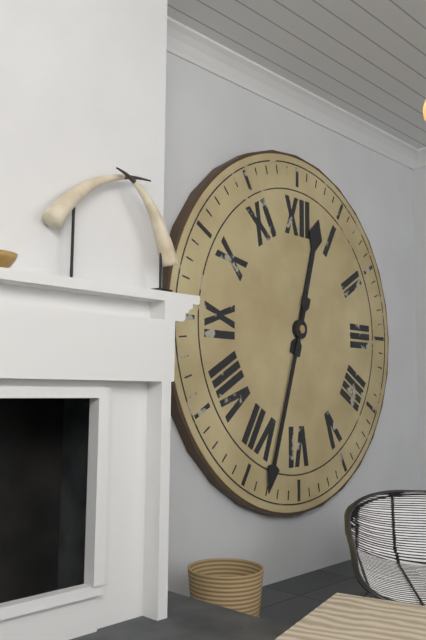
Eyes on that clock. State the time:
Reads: 12:33
